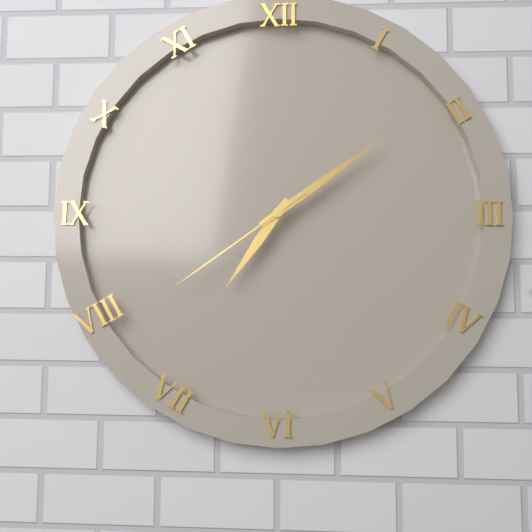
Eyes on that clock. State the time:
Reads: 7:09:39
